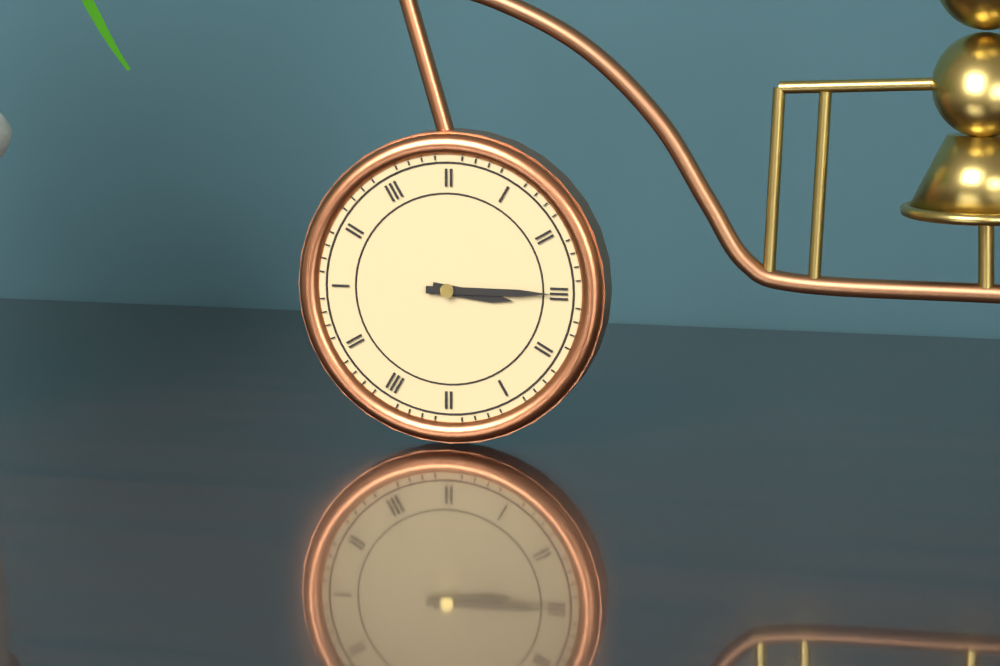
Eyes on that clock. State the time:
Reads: 3:15
